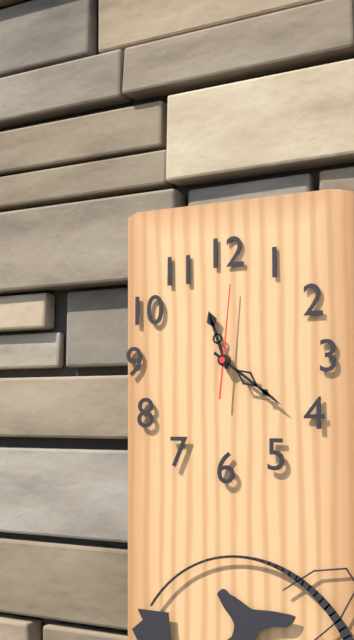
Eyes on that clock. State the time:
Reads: 11:21:01
